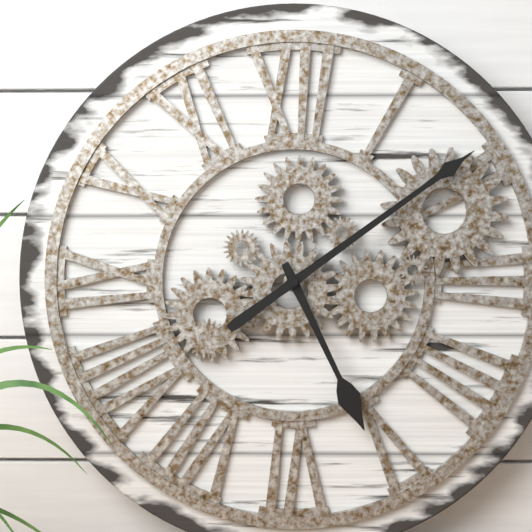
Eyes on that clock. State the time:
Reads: 5:09
